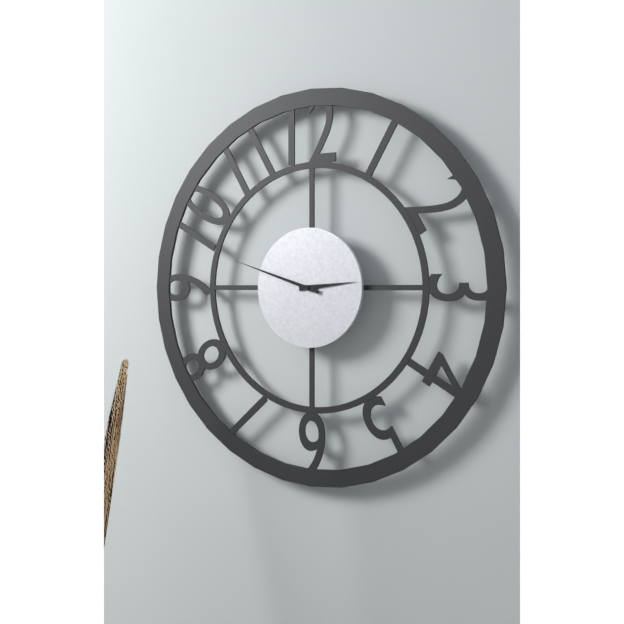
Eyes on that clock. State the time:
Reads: 2:48
